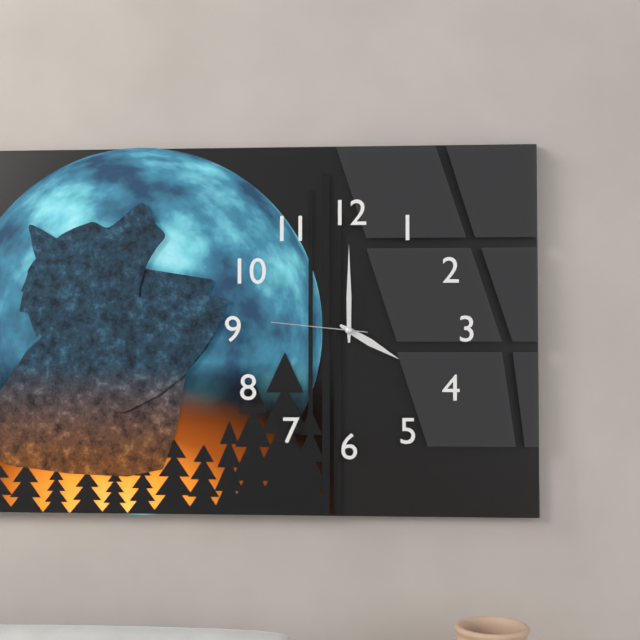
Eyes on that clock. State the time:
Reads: 4:00:46
